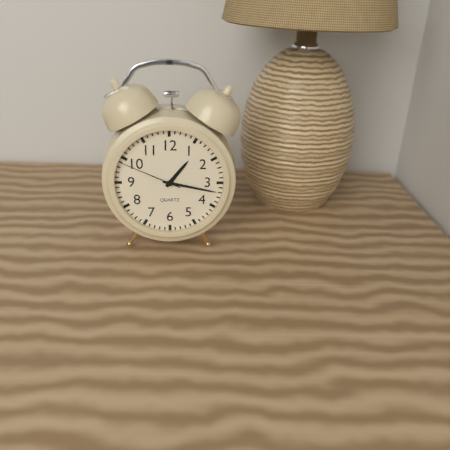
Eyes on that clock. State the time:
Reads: 1:17:49
